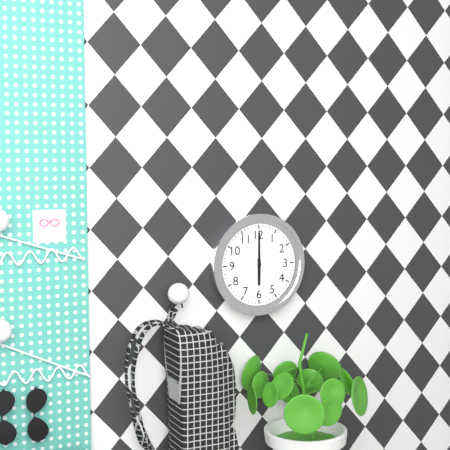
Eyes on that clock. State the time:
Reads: 6:00
